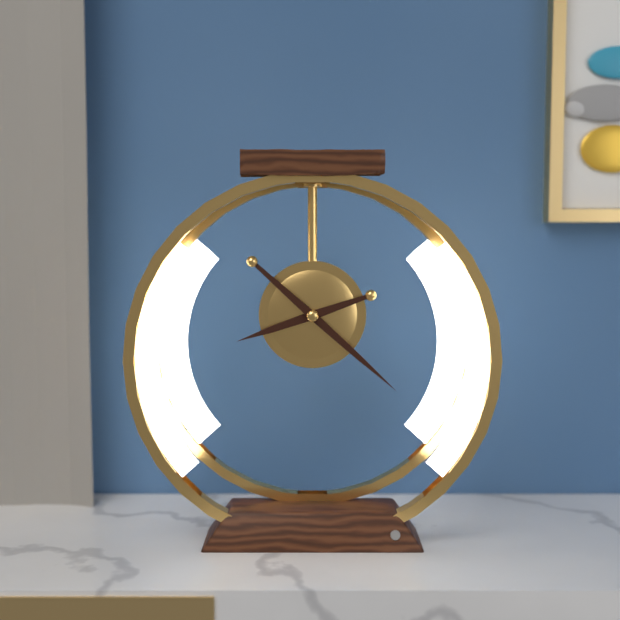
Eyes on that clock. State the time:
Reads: 8:22
